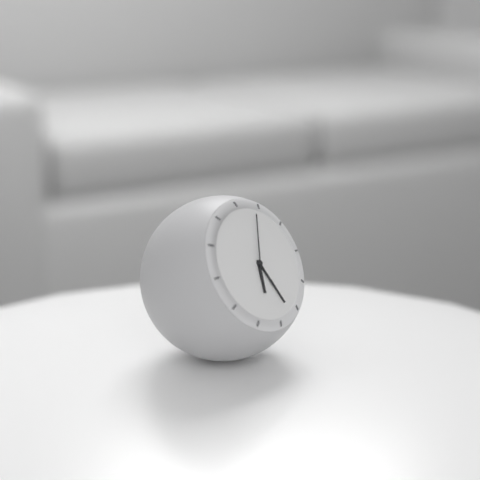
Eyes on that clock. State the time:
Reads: 6:27:04
